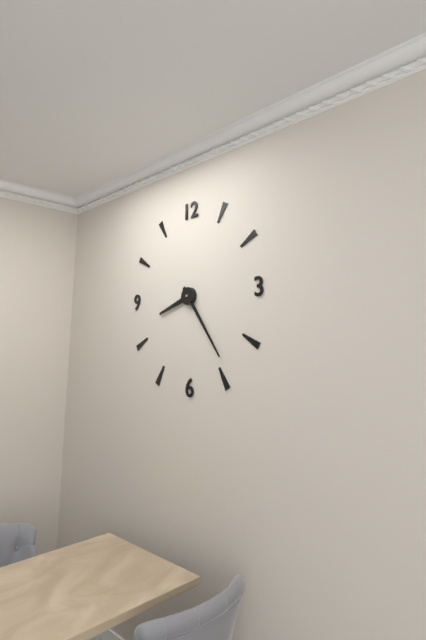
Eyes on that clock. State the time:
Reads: 8:24
